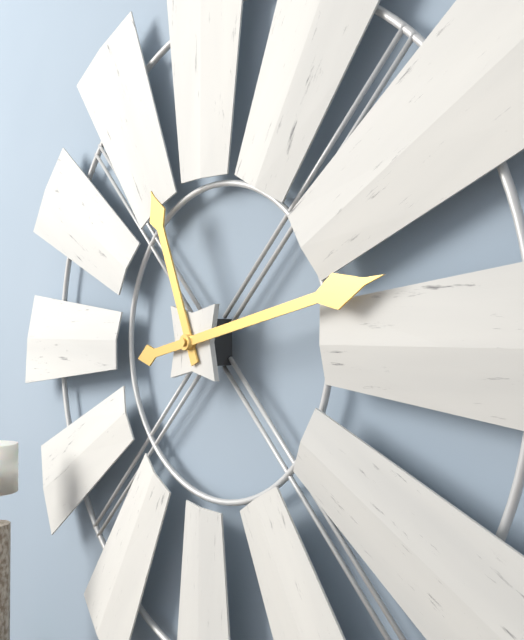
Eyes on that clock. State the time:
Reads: 11:13
